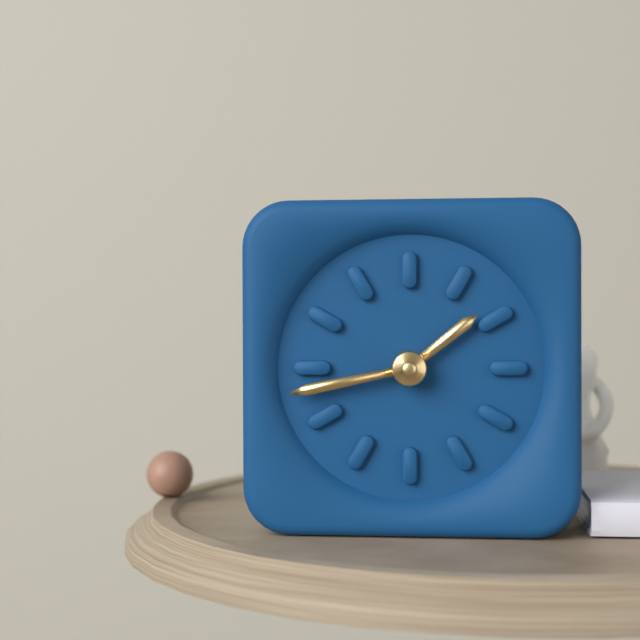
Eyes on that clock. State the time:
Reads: 1:43
